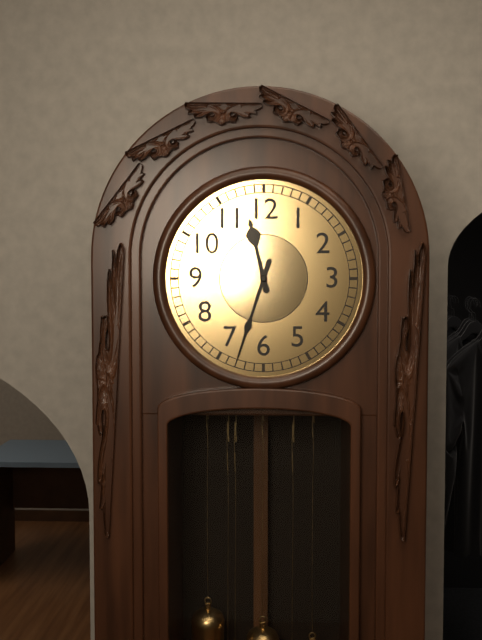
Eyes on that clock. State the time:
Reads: 11:33
